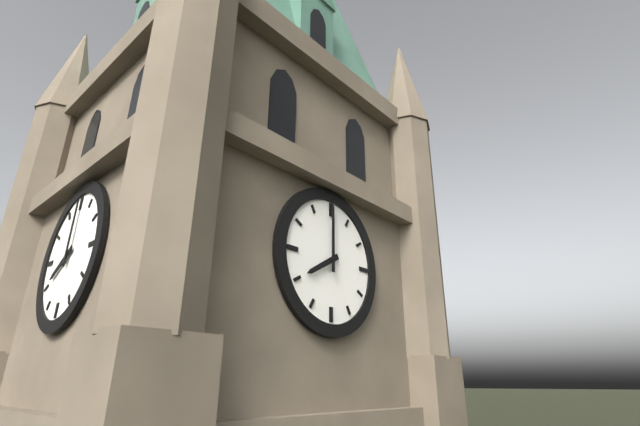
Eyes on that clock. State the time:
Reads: 8:00
